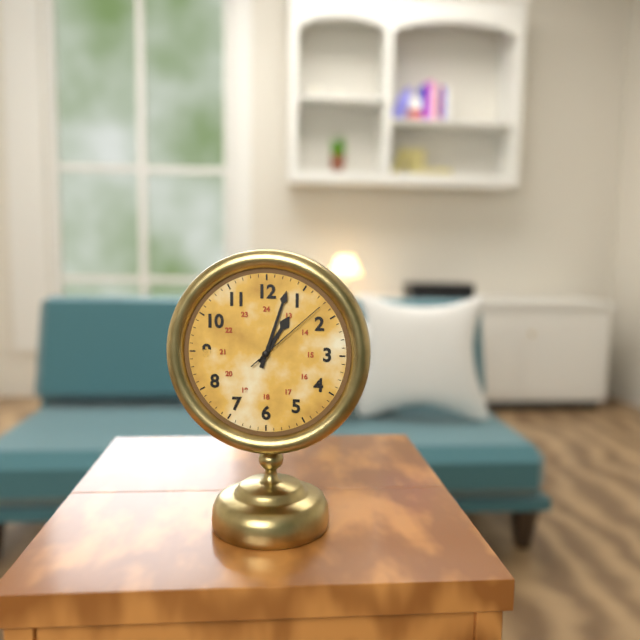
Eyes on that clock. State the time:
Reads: 1:03:08
